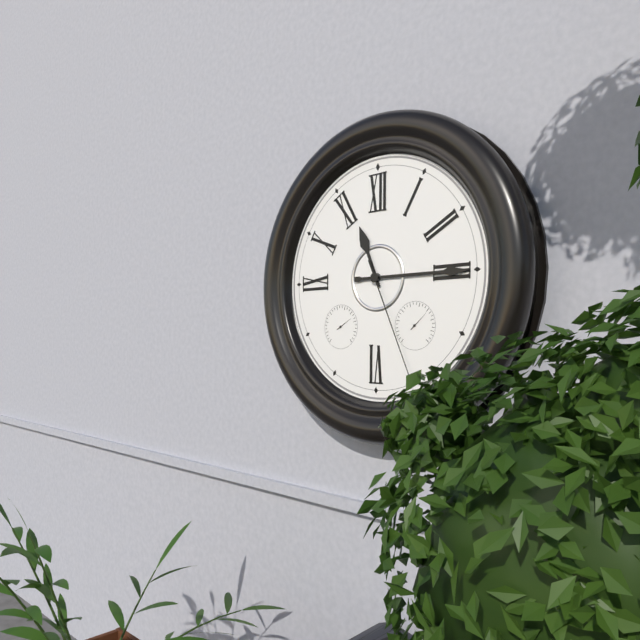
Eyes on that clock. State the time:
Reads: 11:15:26
